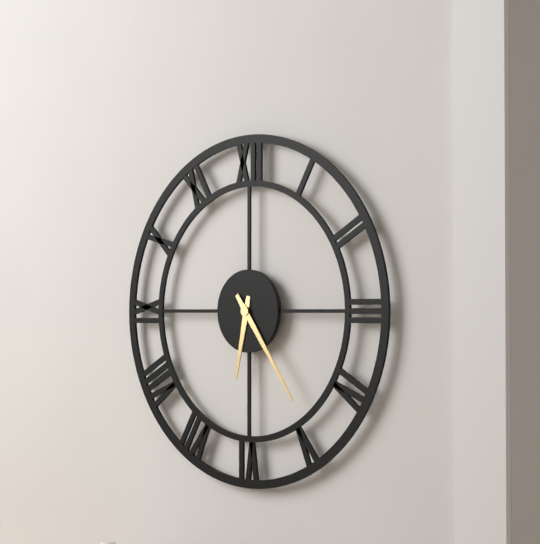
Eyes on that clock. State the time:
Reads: 6:24
